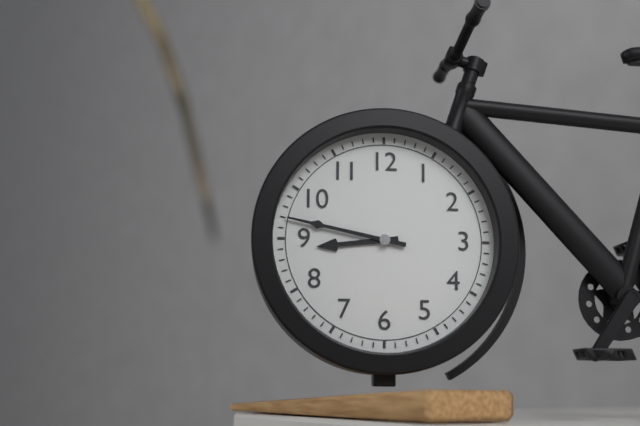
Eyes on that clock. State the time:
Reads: 8:47
